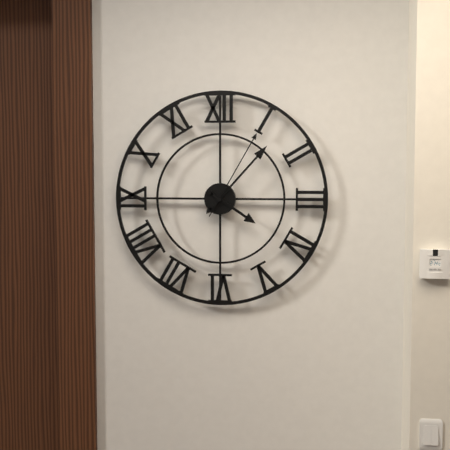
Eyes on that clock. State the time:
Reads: 4:07:05
